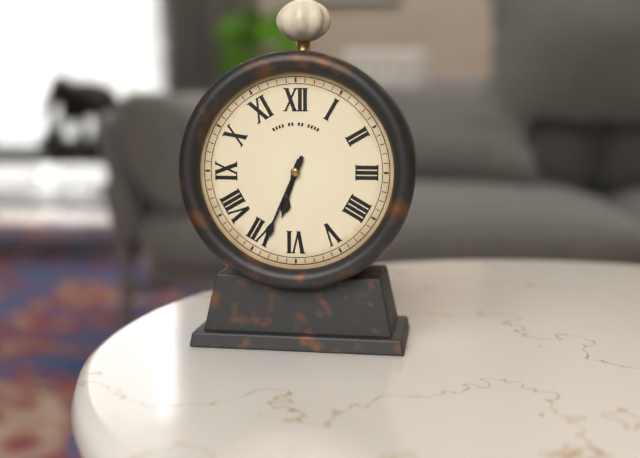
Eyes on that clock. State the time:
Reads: 6:34
